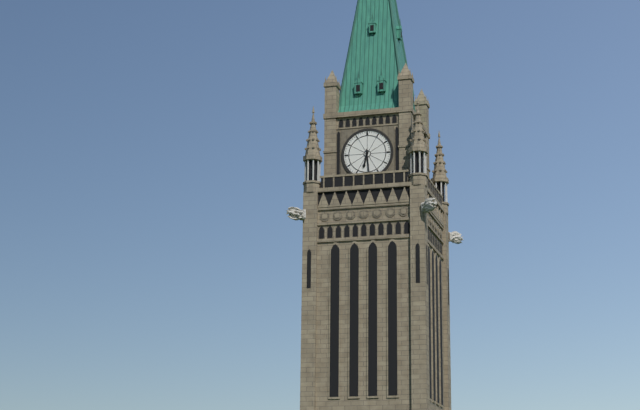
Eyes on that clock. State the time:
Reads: 6:29
